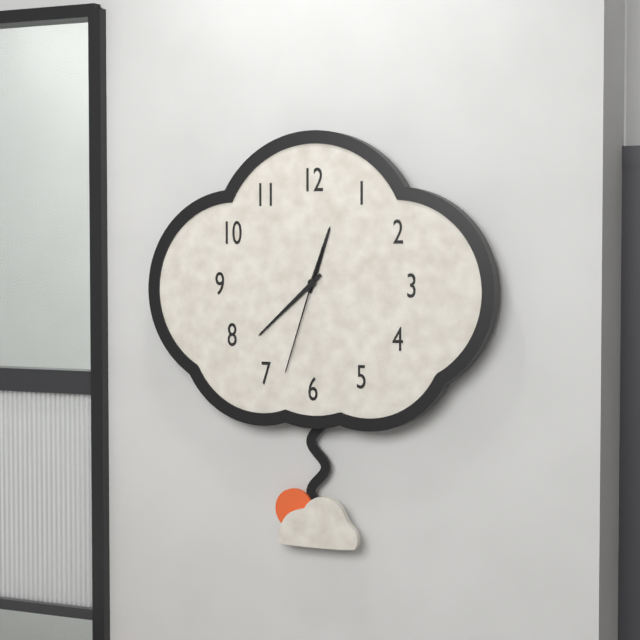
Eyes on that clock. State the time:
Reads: 12:38:33
